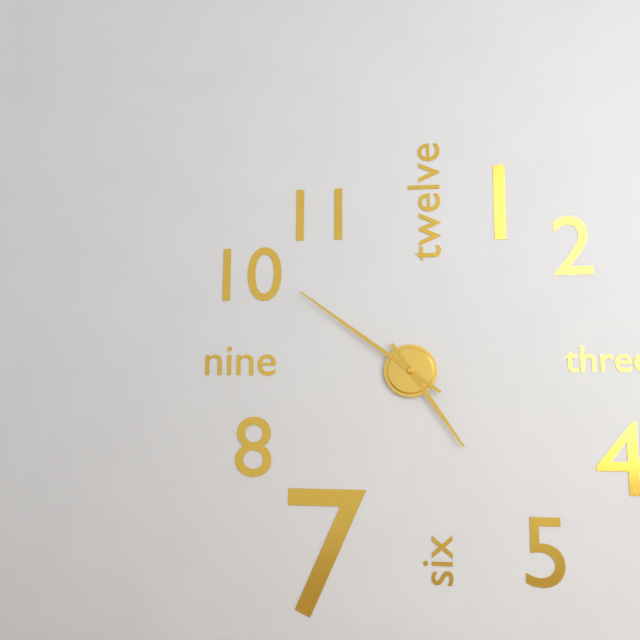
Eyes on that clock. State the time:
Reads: 4:51
